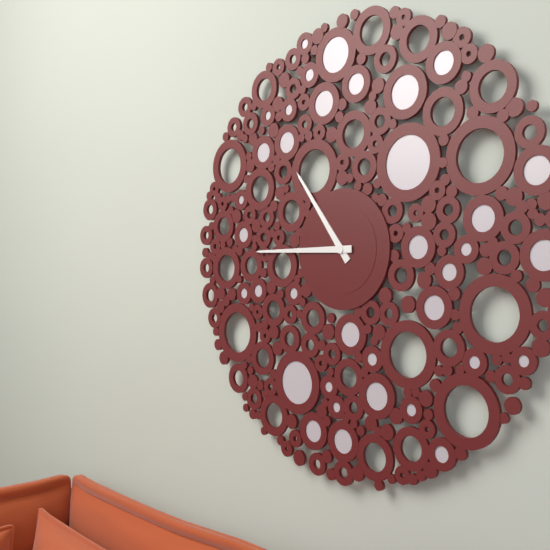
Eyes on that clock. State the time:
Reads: 10:45
